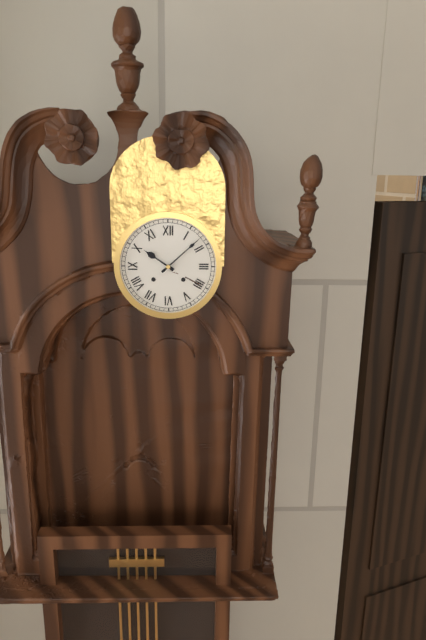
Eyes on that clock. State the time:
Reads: 10:08
